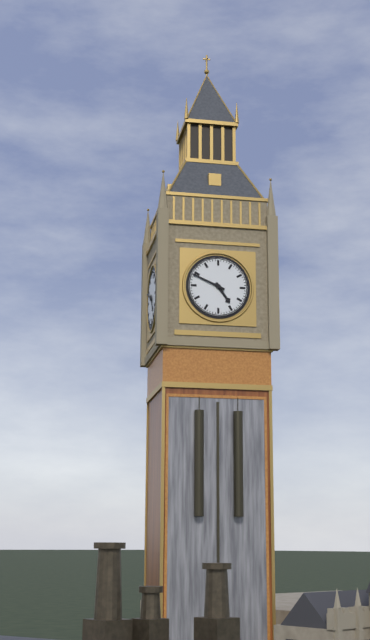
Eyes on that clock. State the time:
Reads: 4:49
